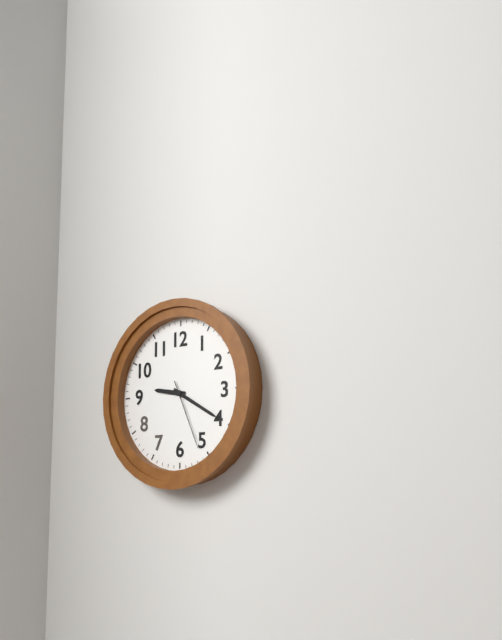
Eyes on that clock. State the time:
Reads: 9:20:26
